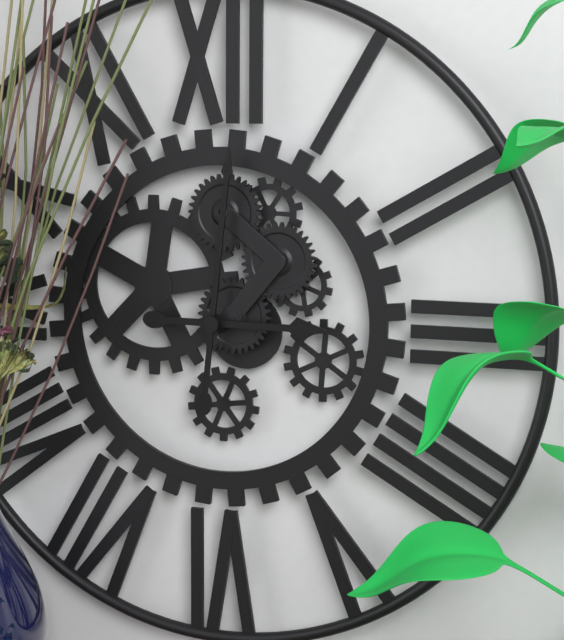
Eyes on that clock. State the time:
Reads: 3:01
